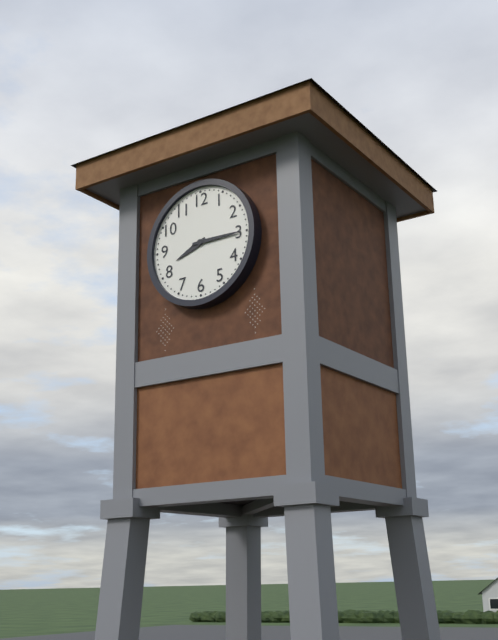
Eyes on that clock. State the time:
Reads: 8:15
